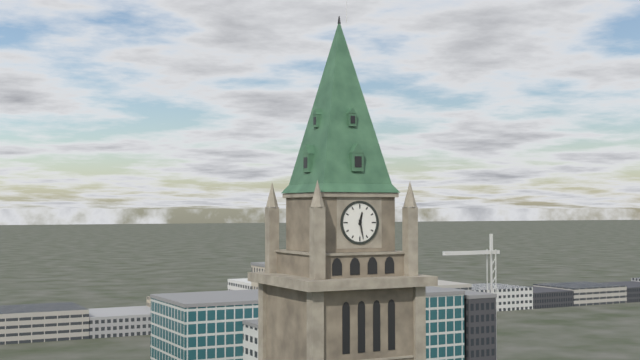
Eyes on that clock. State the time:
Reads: 12:28
